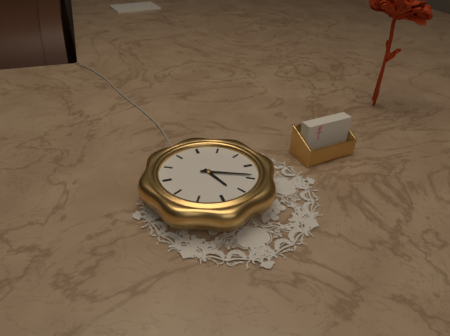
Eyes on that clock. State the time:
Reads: 5:19
